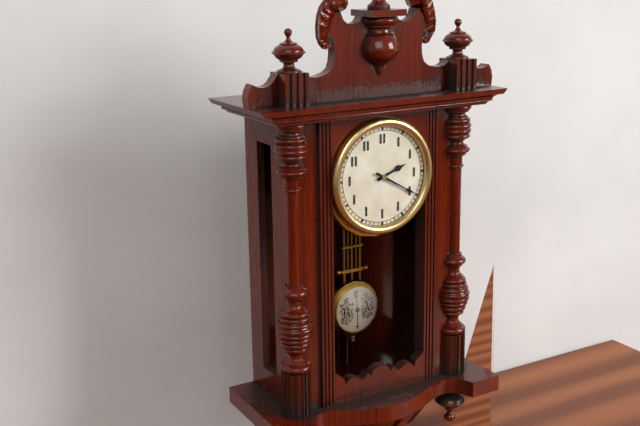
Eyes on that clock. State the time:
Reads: 2:20
